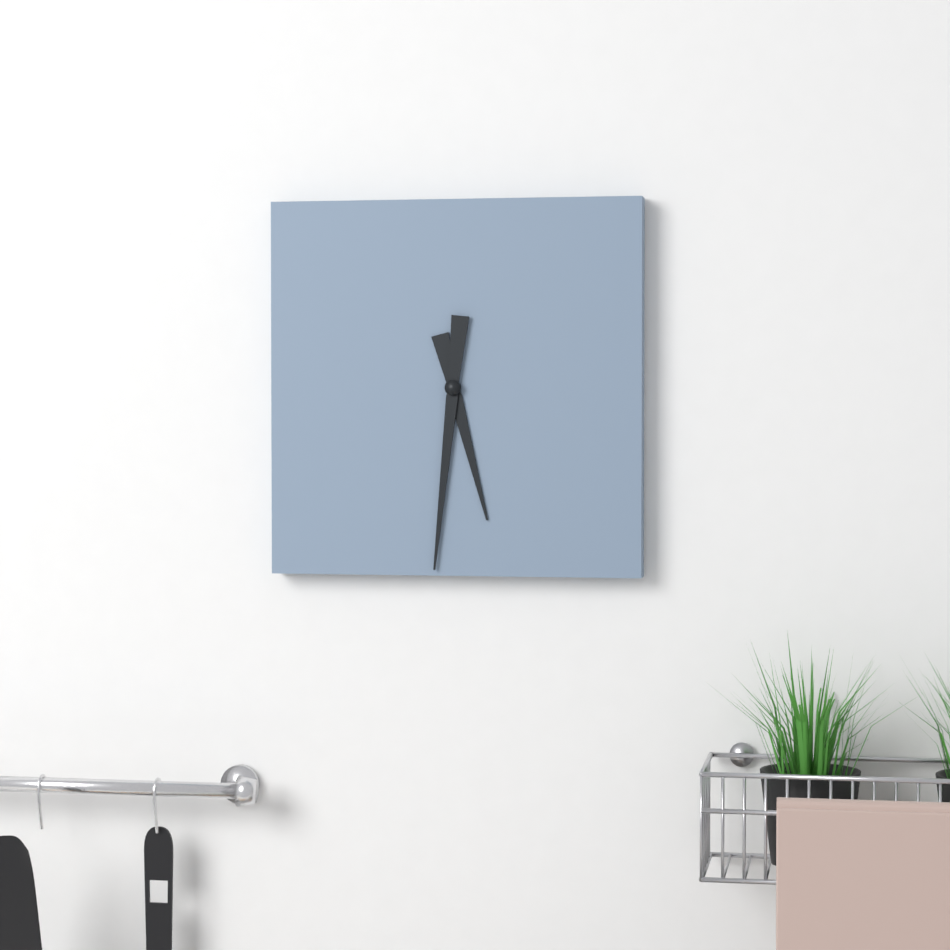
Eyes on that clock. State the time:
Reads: 5:31
